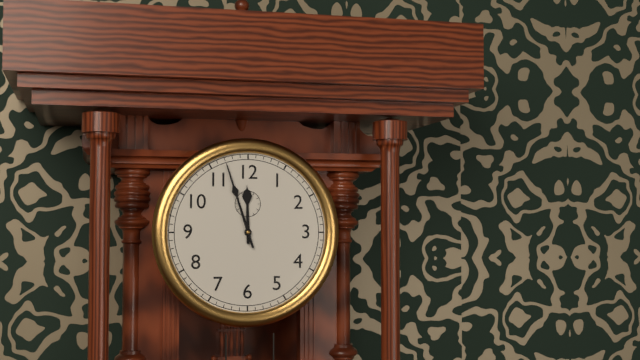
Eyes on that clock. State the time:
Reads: 11:57
